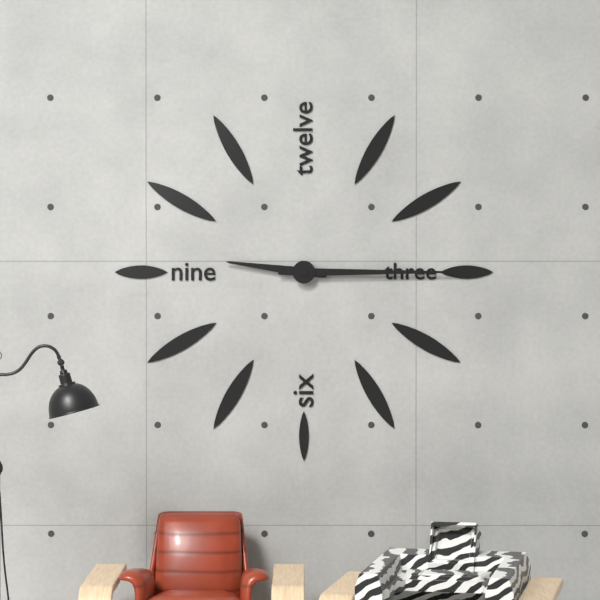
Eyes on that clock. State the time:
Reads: 9:15
